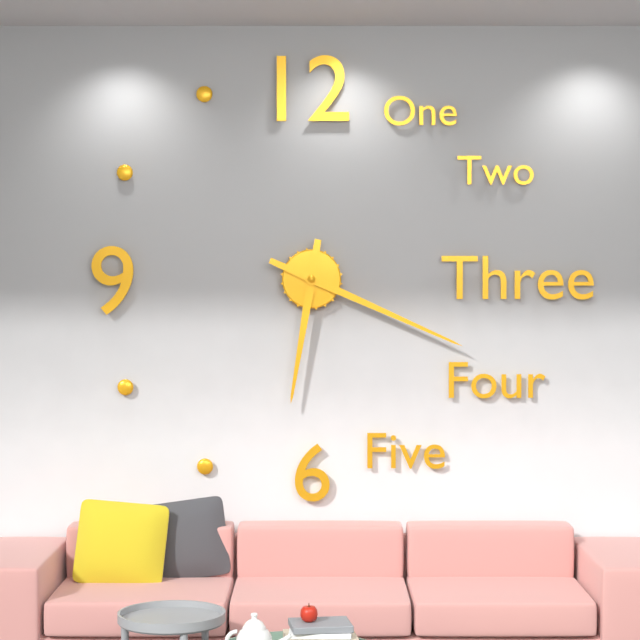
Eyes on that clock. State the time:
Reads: 6:19
